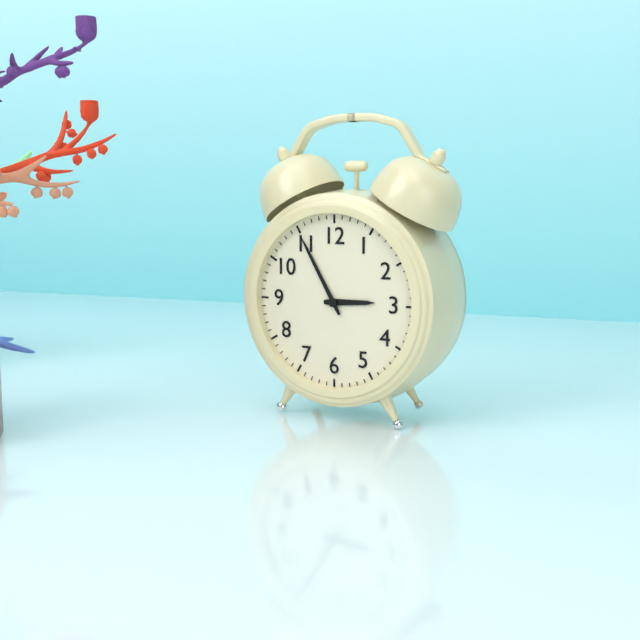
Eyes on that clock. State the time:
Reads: 2:55
